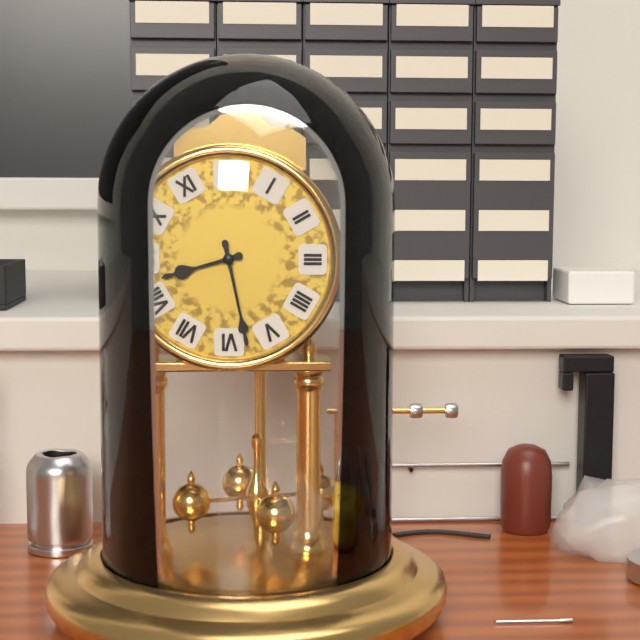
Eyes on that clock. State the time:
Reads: 8:28
